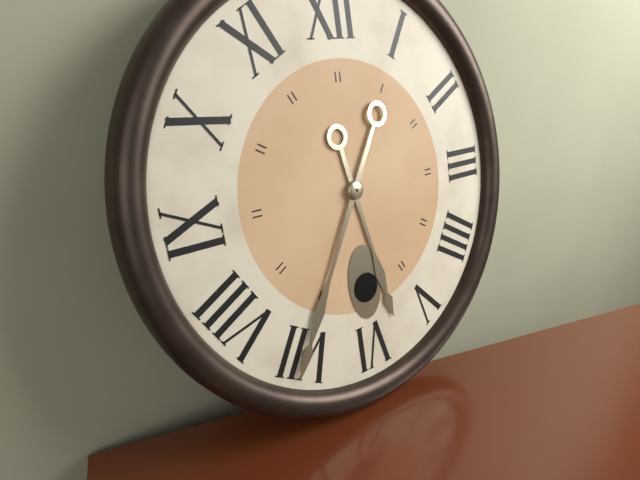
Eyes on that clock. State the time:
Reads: 5:35
